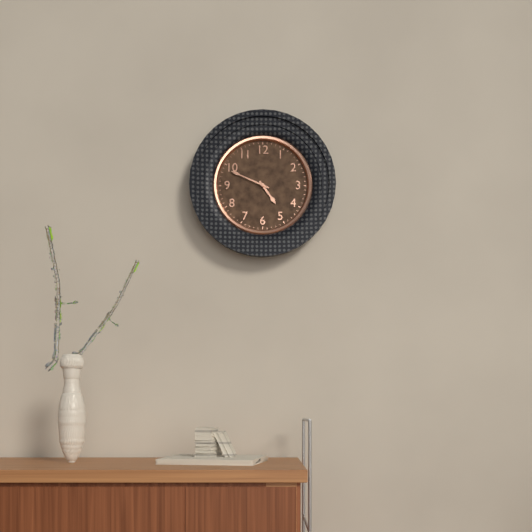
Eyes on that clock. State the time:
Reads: 4:49
